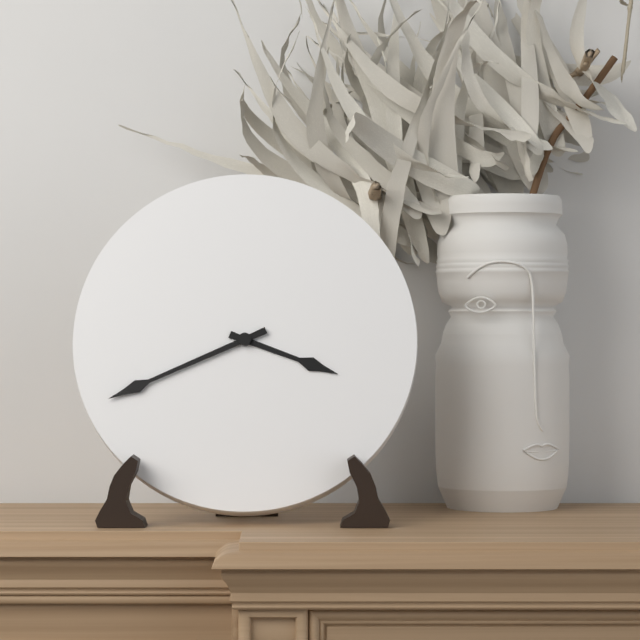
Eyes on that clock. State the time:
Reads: 3:41
